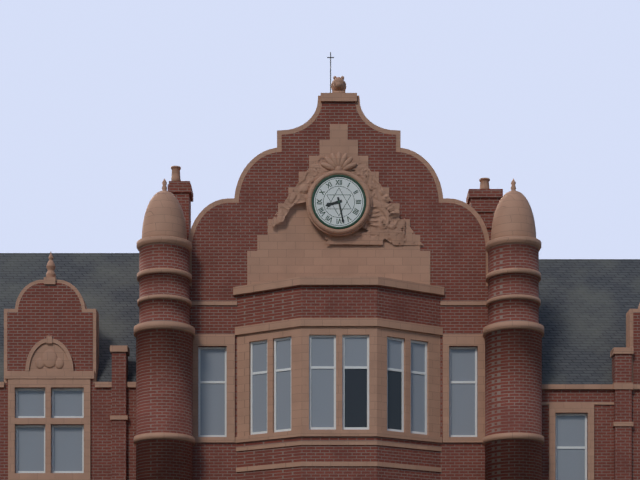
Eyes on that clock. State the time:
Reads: 8:28
